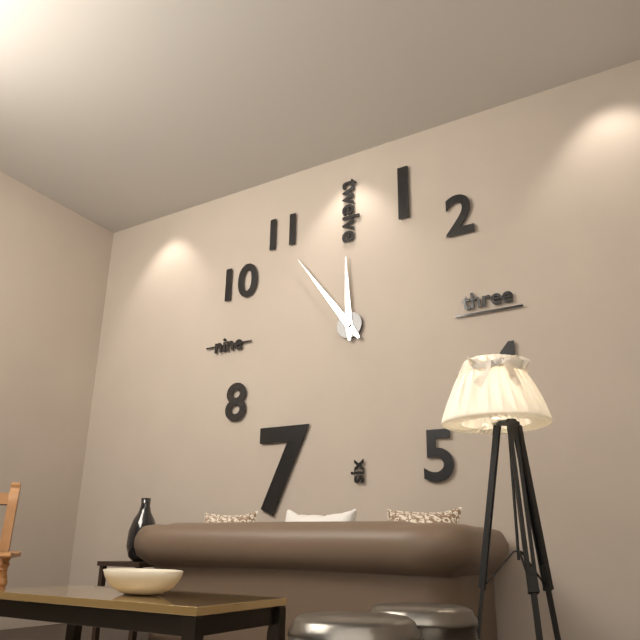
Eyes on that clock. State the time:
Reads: 11:54
